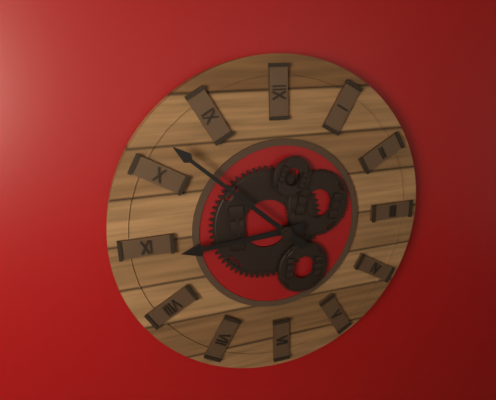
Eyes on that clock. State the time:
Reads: 8:52
